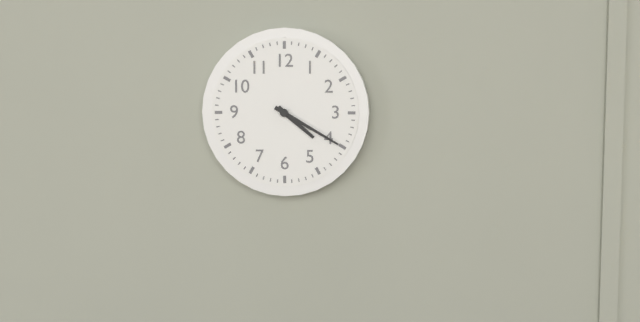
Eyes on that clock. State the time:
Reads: 4:20
